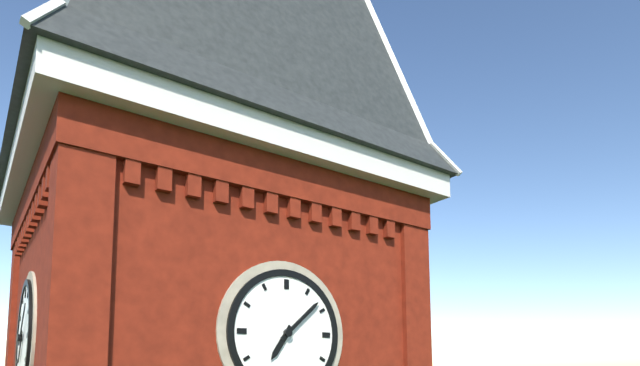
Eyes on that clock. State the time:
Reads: 7:08
